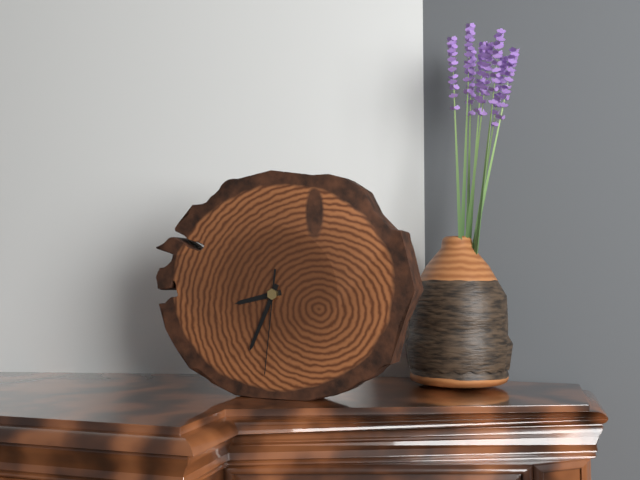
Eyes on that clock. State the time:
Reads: 8:34:31
